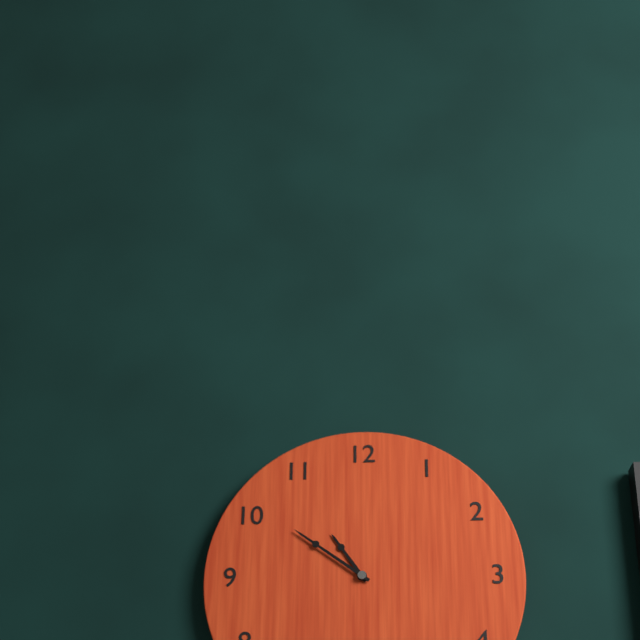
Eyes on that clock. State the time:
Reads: 10:51
